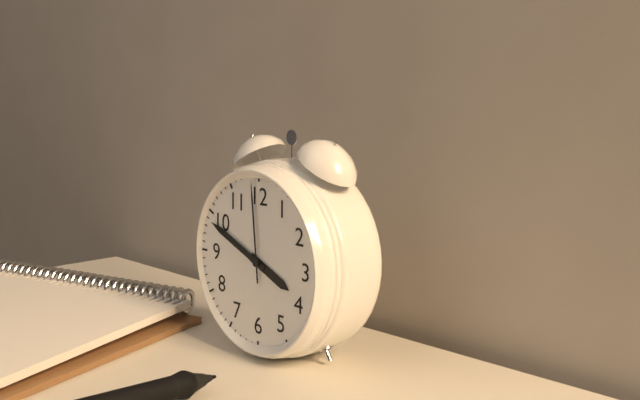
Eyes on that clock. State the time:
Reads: 3:49:59
